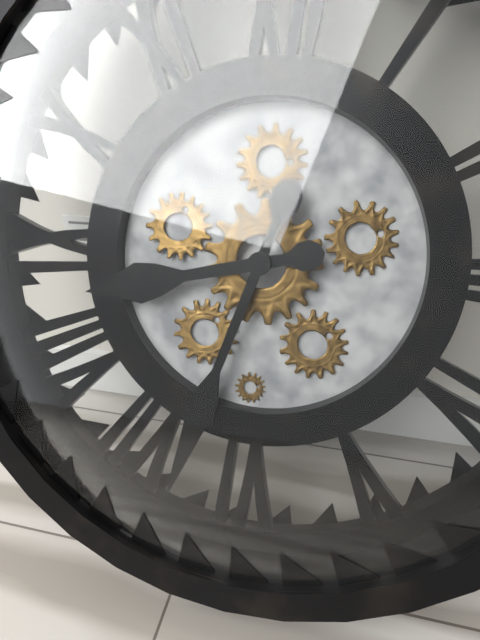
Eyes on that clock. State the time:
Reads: 8:33
